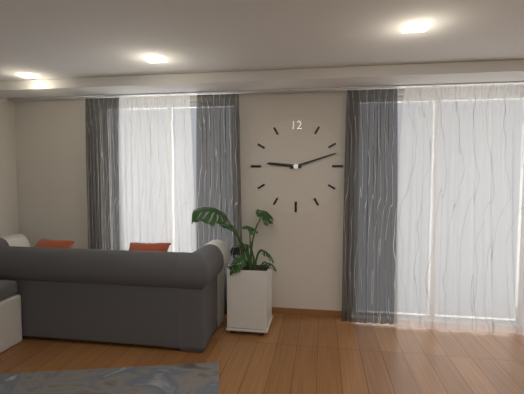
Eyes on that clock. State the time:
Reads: 9:12
